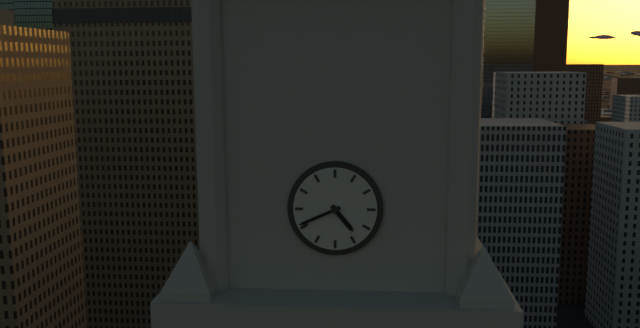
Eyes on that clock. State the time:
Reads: 4:41
